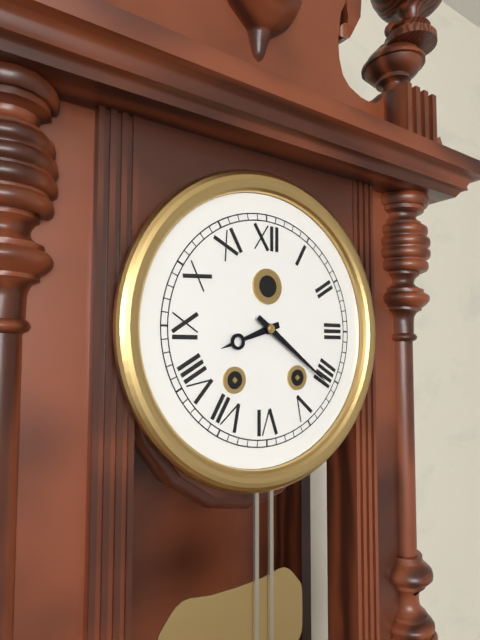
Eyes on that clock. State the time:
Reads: 8:21
